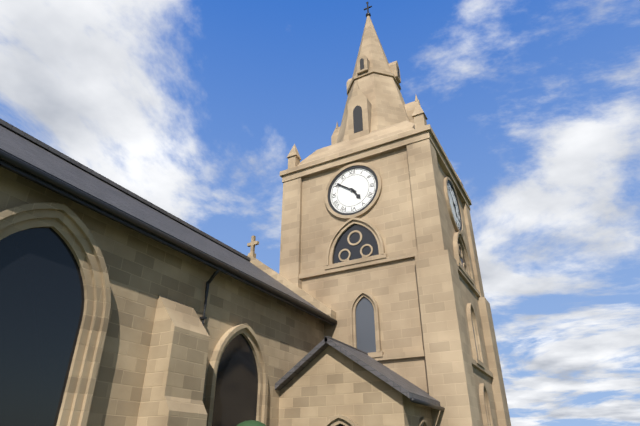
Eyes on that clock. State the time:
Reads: 4:51
